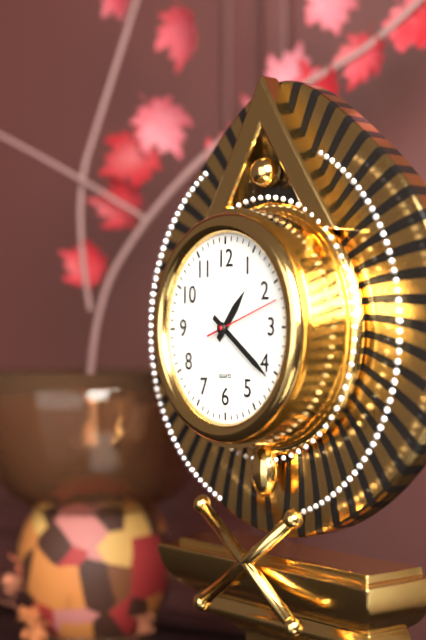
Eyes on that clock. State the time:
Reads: 1:21:12
